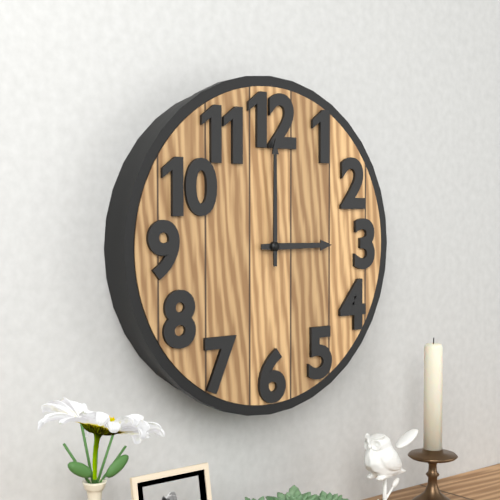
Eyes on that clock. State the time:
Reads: 3:00
